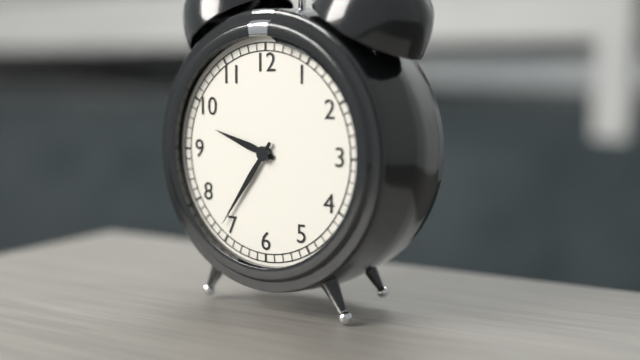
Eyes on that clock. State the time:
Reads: 9:36
